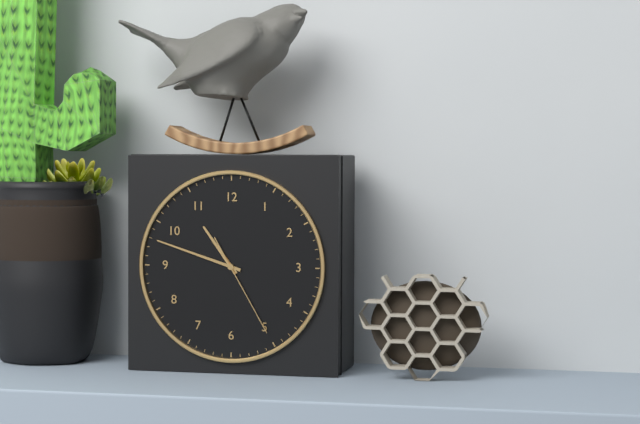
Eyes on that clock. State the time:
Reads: 10:48:25
